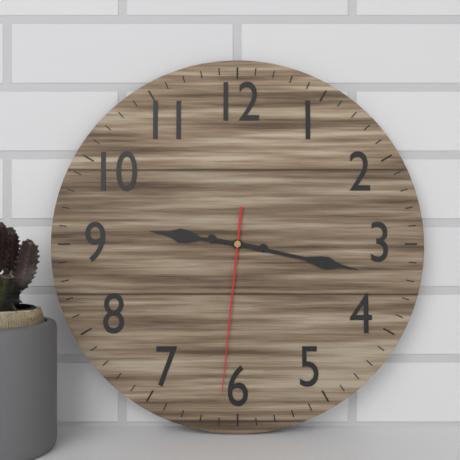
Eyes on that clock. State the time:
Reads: 9:17:31
